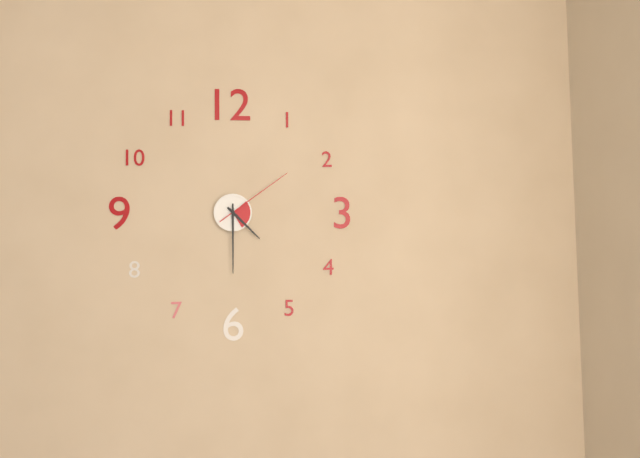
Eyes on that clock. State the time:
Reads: 4:30:09
